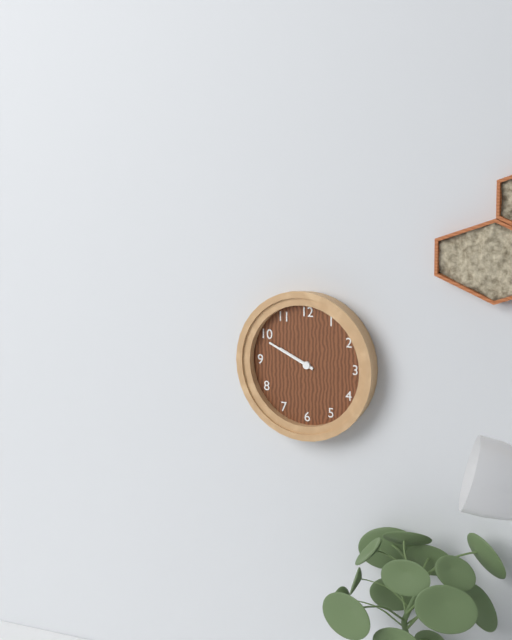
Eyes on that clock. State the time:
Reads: 9:49
